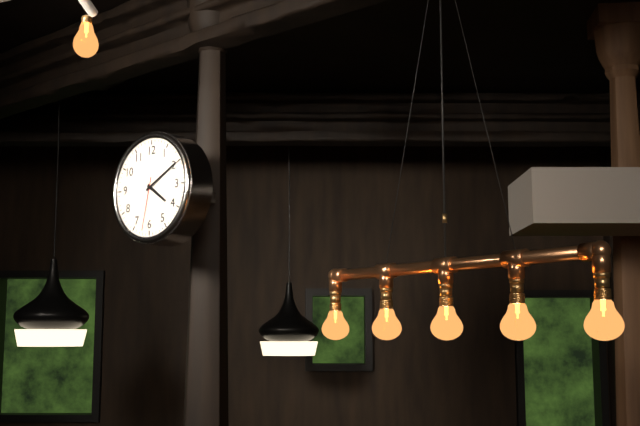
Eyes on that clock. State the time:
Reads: 4:10:32
